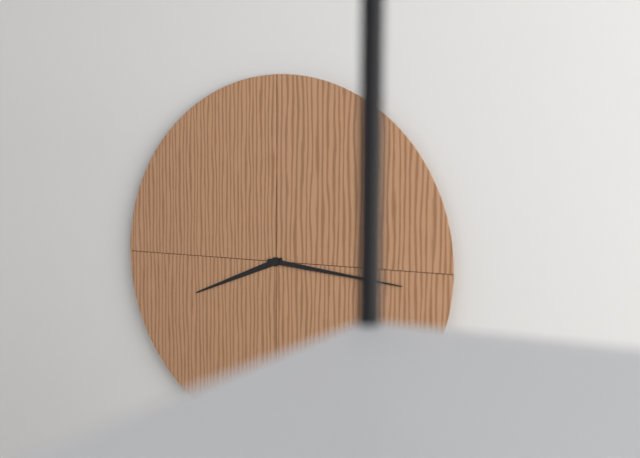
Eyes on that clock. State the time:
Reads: 8:16
